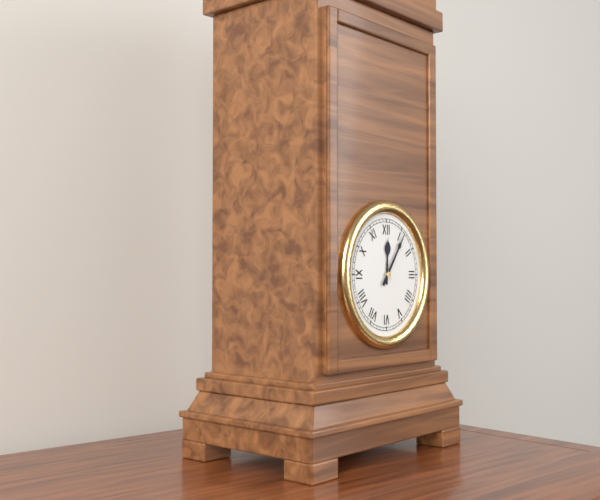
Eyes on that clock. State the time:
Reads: 12:06
